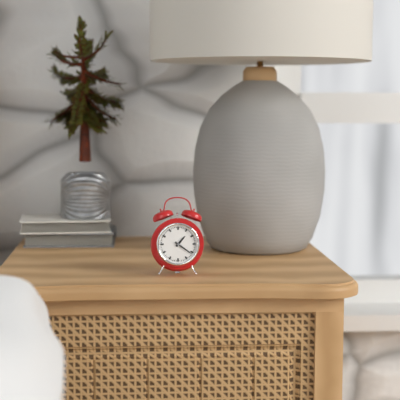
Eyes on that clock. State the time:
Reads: 1:21
